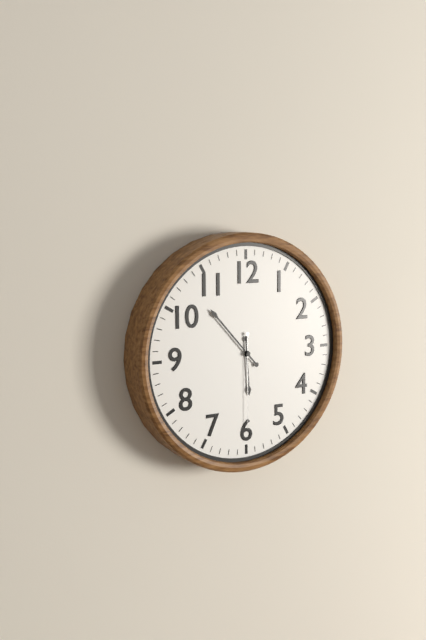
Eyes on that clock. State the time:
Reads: 5:53:30
